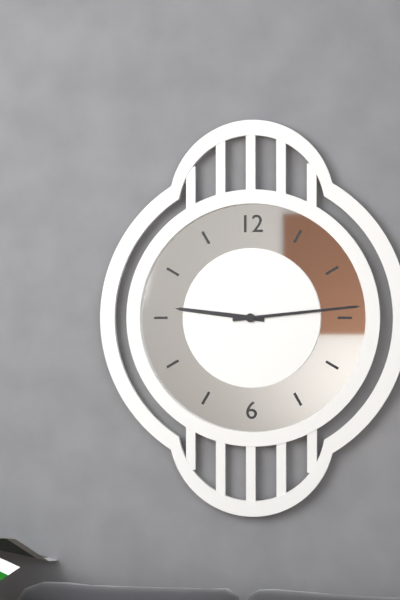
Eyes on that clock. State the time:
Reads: 9:14
